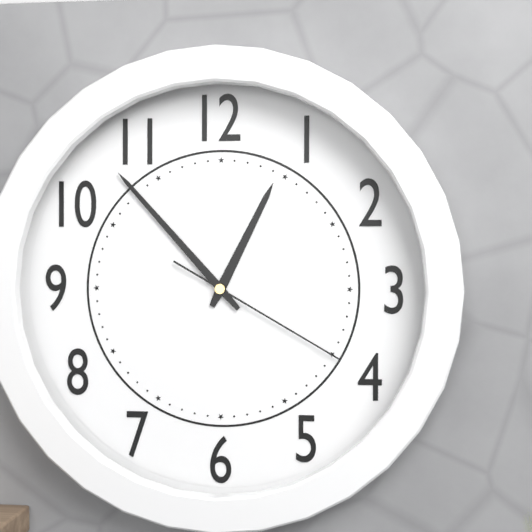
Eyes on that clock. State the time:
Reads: 12:53:20
